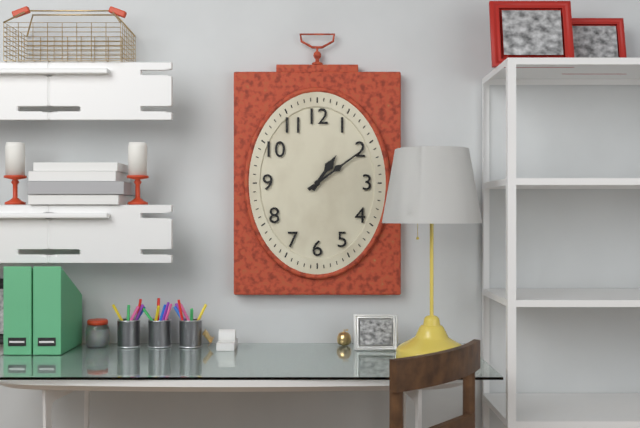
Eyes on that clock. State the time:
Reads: 1:09
